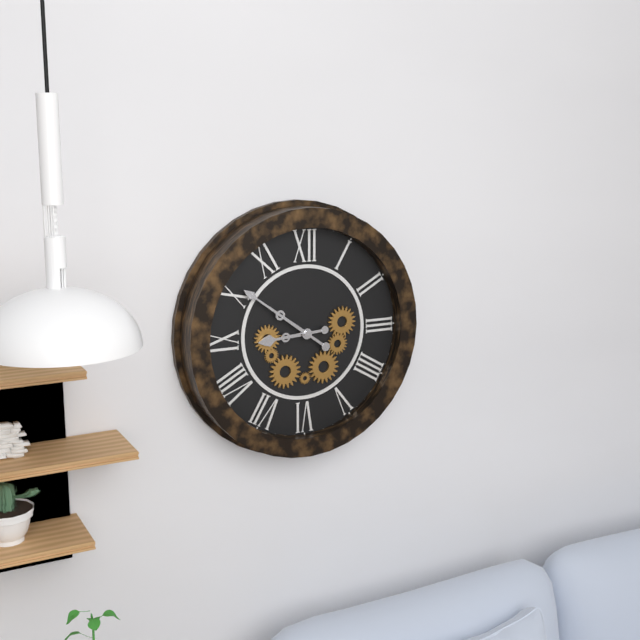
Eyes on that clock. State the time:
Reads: 8:51
